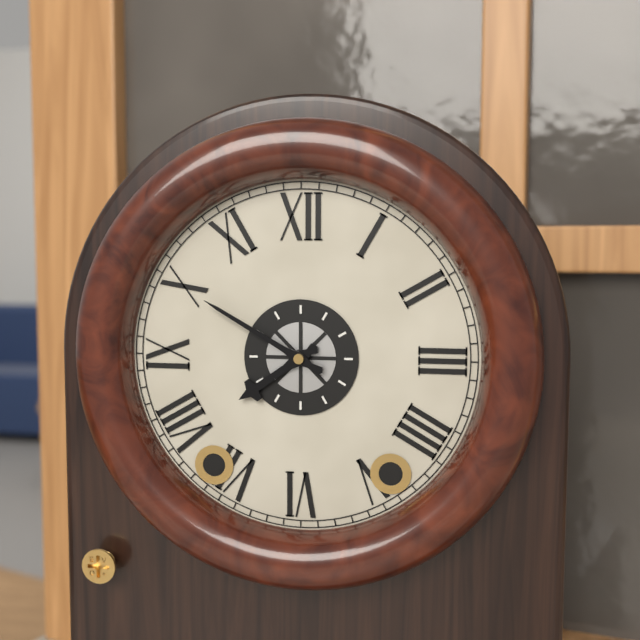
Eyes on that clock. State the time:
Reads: 7:50
